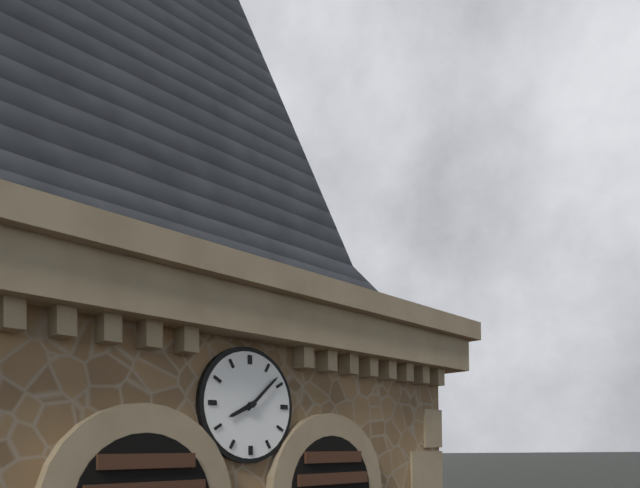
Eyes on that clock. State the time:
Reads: 8:08
